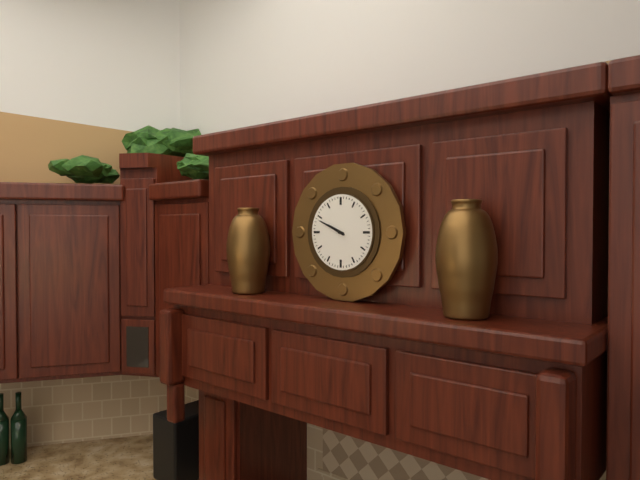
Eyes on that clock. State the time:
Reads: 9:49
